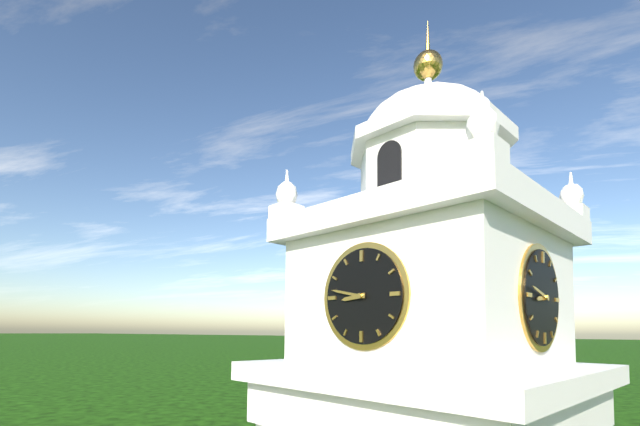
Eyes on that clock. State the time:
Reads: 8:47
